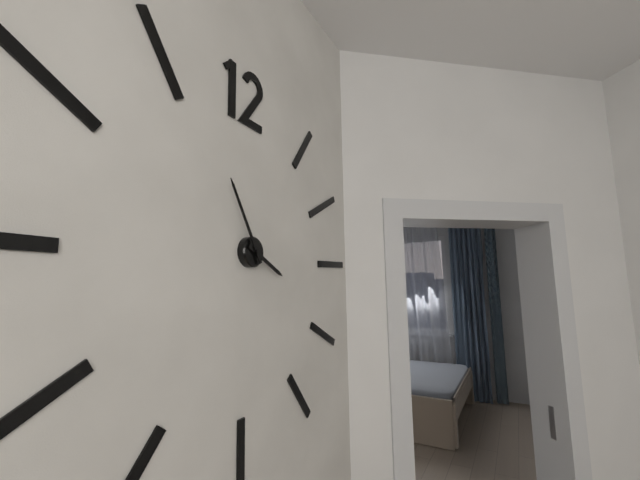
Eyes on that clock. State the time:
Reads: 3:55
